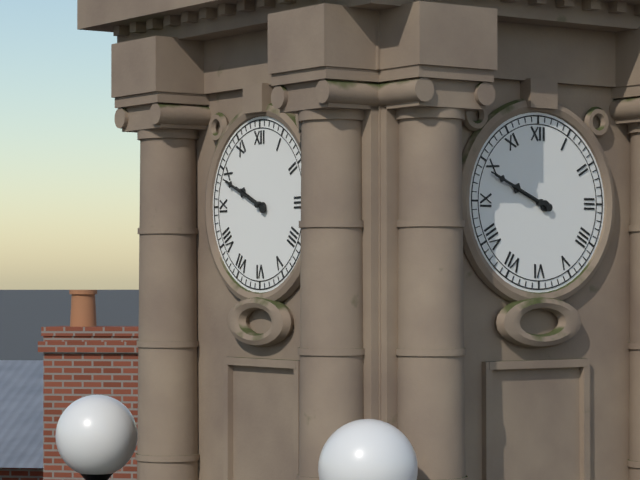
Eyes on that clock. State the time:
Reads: 9:49
